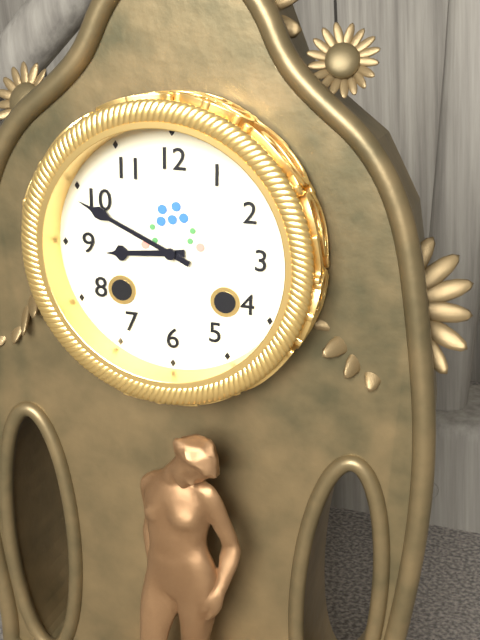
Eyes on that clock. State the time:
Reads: 8:49
